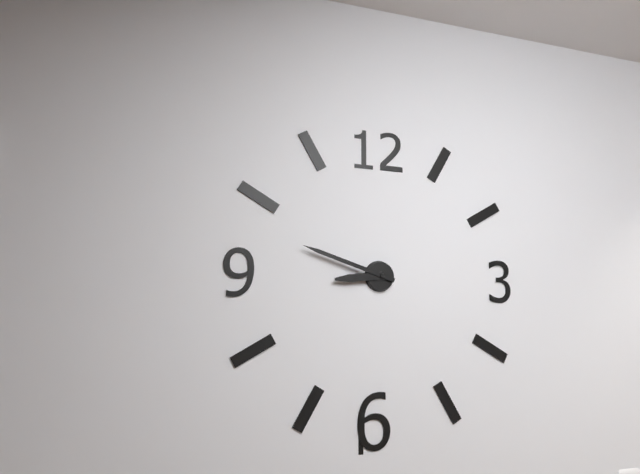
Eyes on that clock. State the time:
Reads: 8:48
